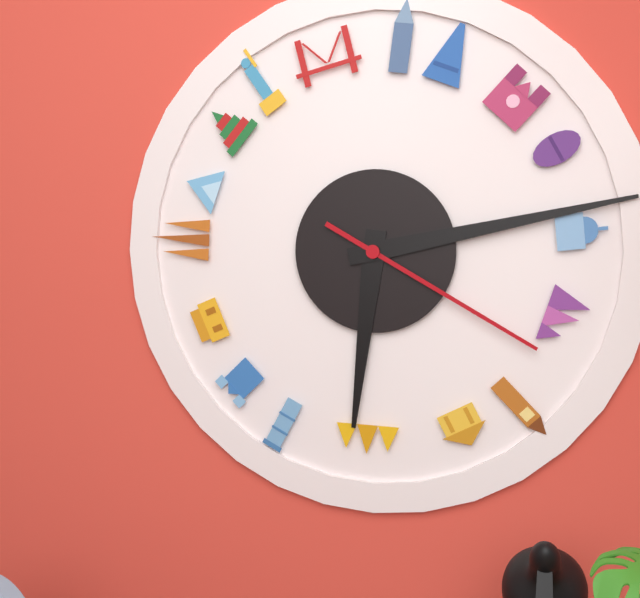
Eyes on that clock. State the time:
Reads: 6:13:20
